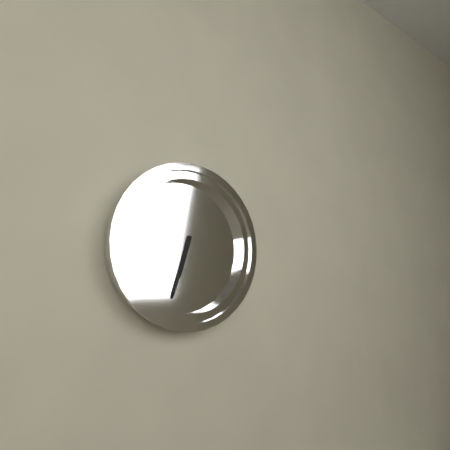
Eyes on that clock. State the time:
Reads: 6:33
